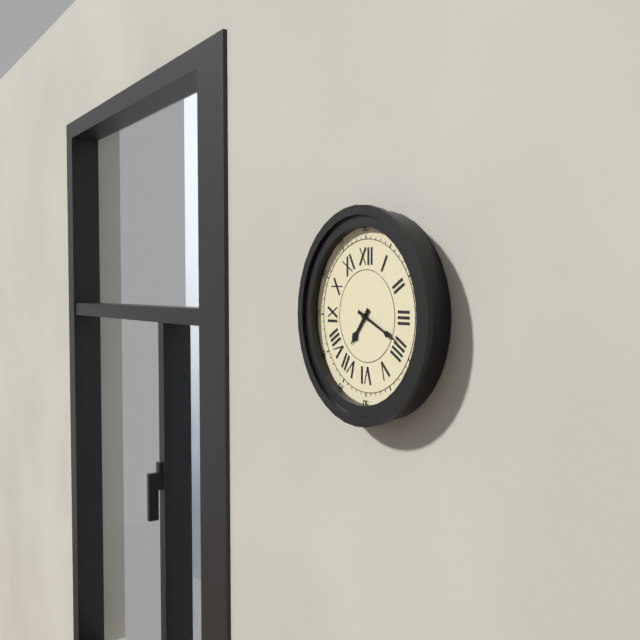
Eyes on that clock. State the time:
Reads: 7:19
